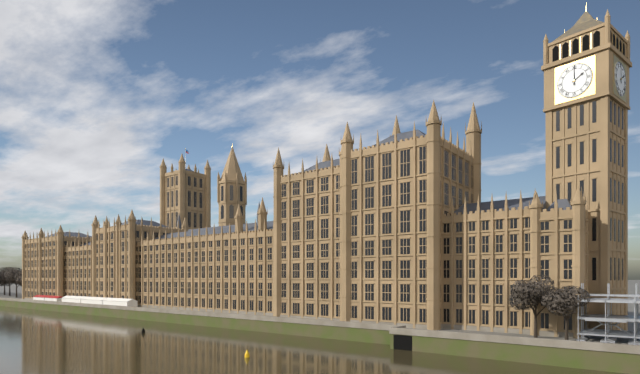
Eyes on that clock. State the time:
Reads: 2:00
